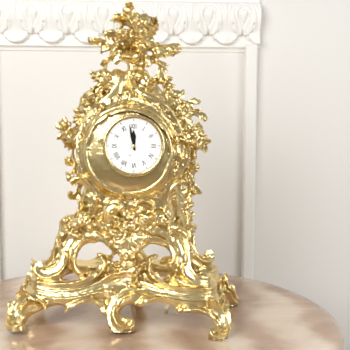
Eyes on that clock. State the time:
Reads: 11:58
